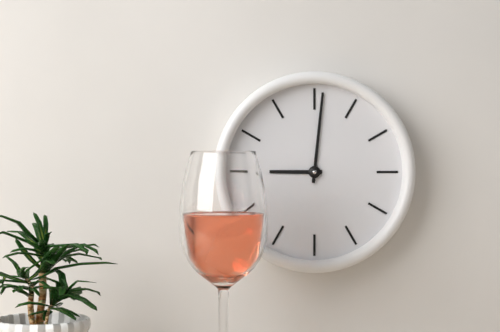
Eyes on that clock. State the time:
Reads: 9:01
